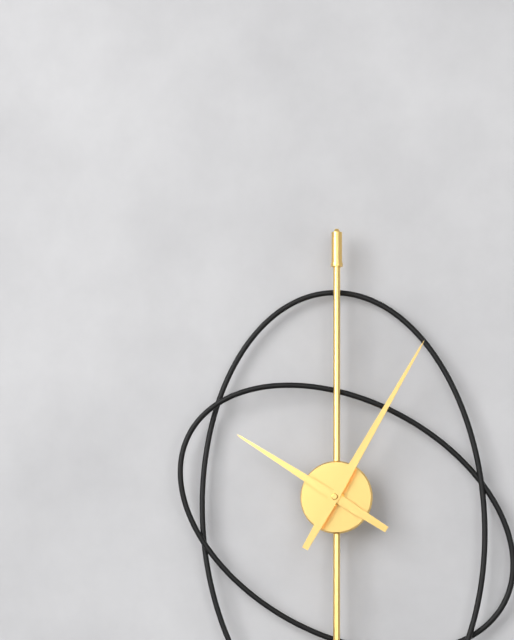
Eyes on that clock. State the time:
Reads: 10:05
